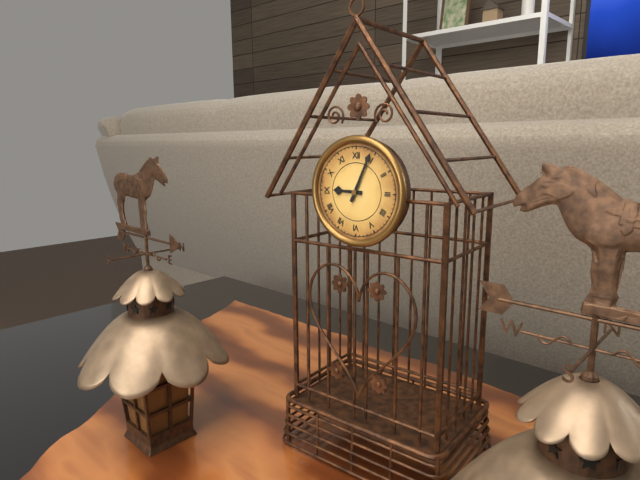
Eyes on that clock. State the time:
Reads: 9:04
